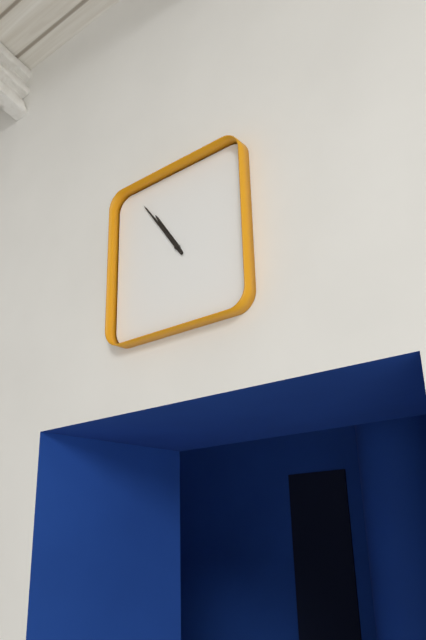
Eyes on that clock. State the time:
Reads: 10:54
